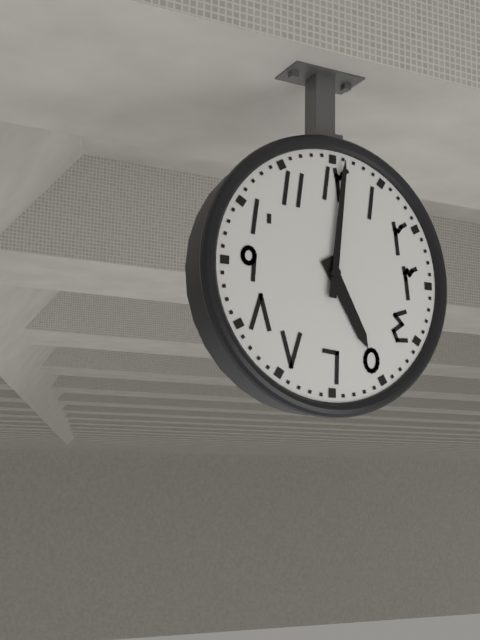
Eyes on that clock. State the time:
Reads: 5:01
